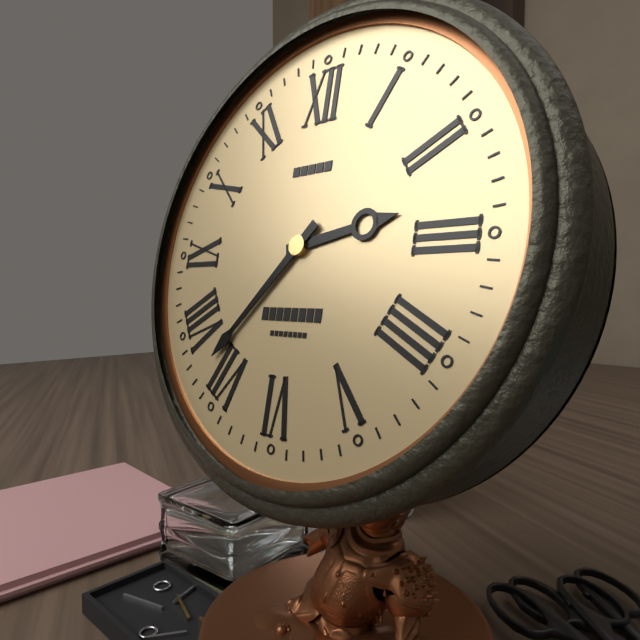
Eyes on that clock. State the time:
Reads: 2:37
